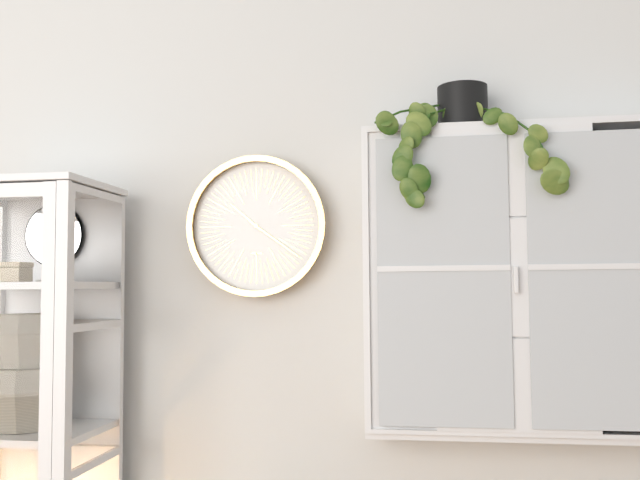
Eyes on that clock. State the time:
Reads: 10:21
